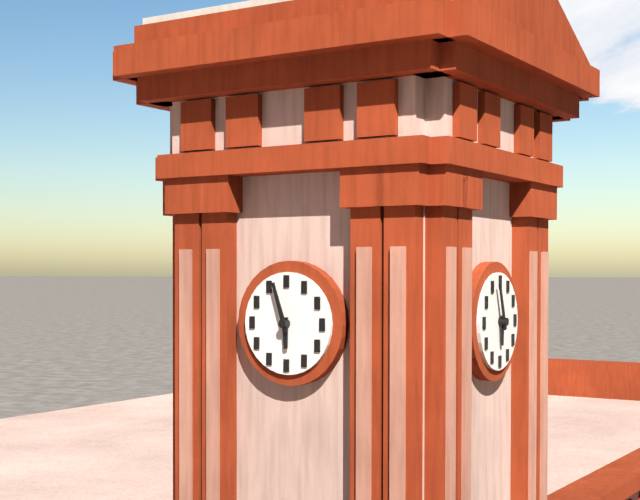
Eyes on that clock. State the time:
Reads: 5:57
